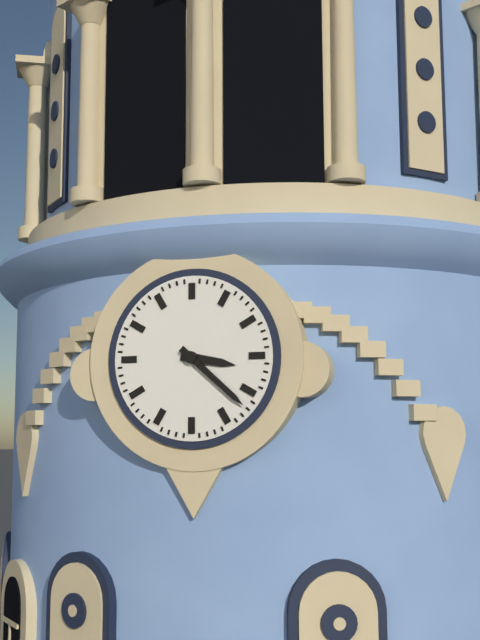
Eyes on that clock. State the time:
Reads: 3:22
